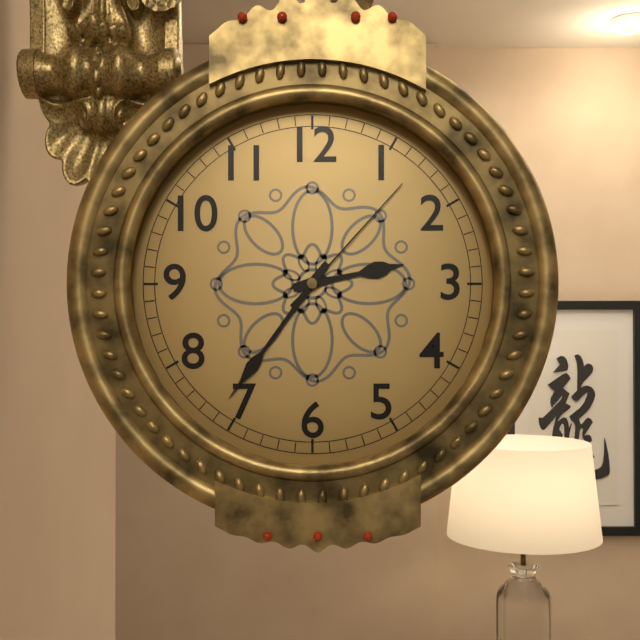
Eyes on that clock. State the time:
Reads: 2:36:07
